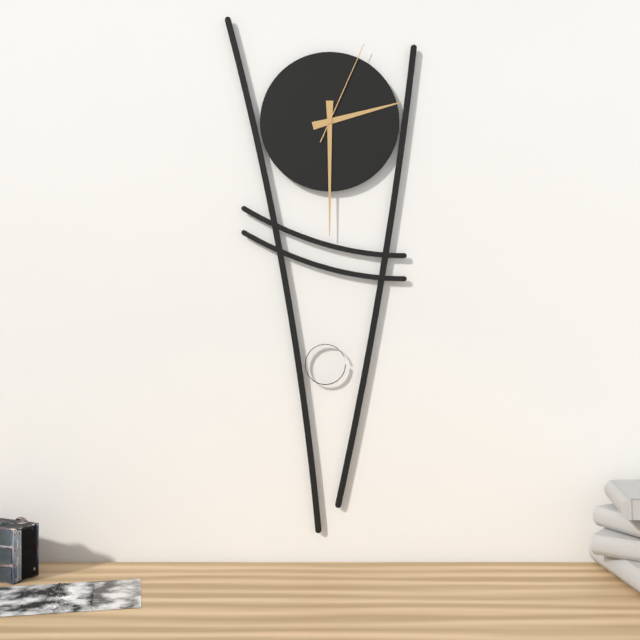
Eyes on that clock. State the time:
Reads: 2:30:04
